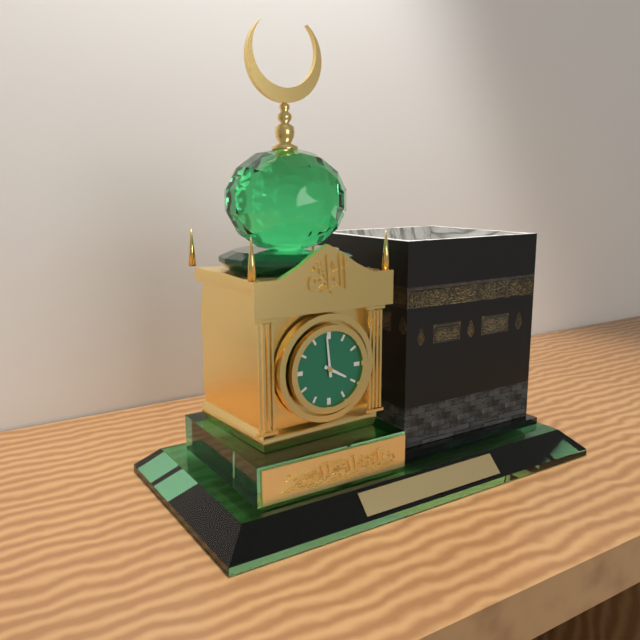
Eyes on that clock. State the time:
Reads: 3:59
